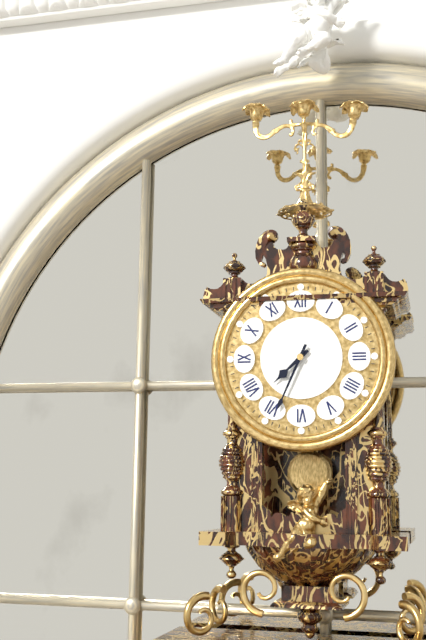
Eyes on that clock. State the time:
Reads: 7:34
